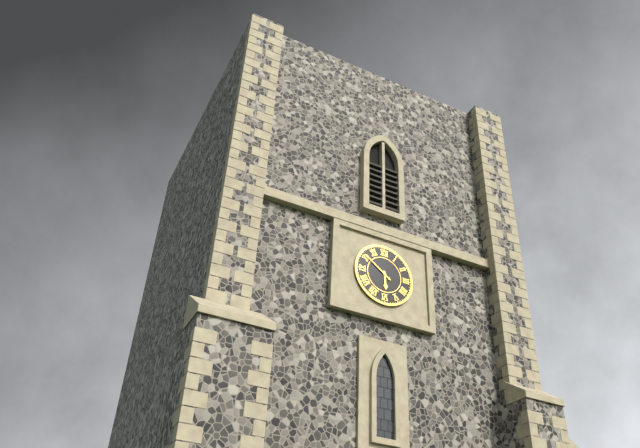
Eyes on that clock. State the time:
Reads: 5:51
